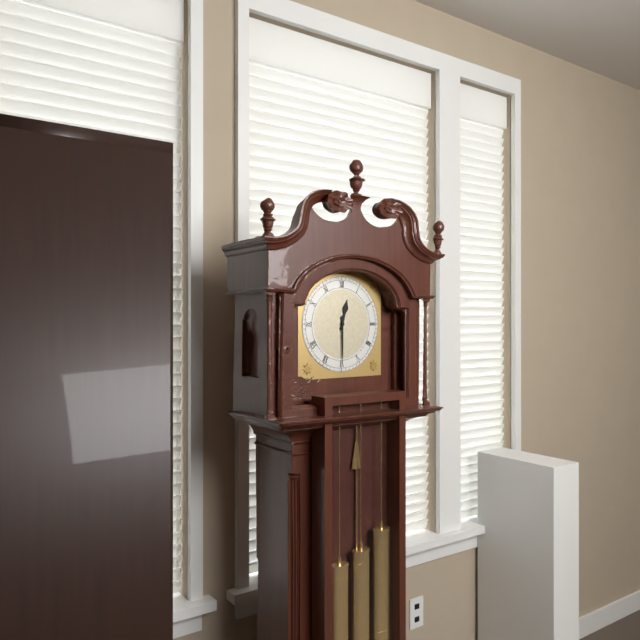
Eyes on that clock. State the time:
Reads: 12:30
